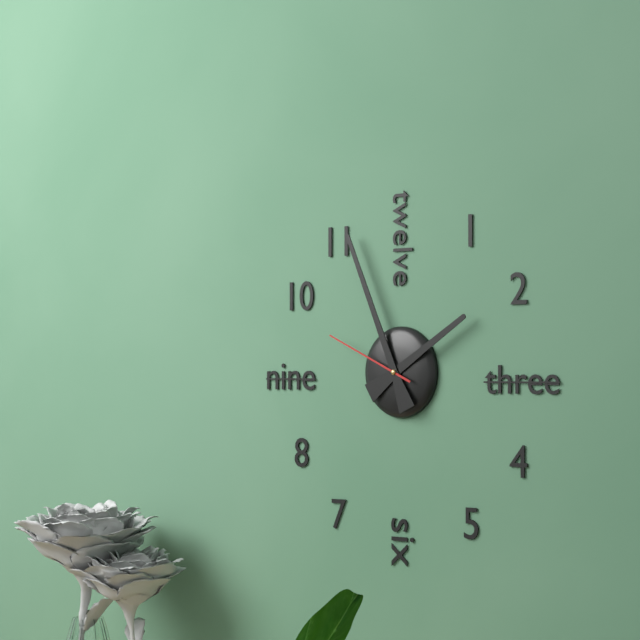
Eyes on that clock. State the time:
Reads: 1:56:49
